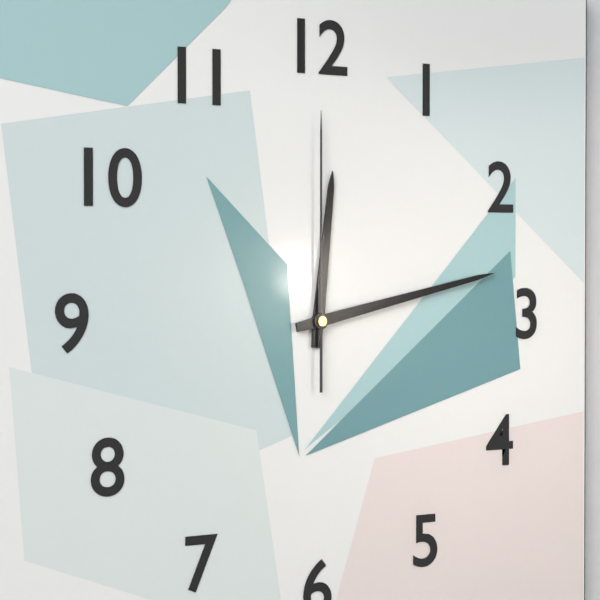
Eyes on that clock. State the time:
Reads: 12:13:00
